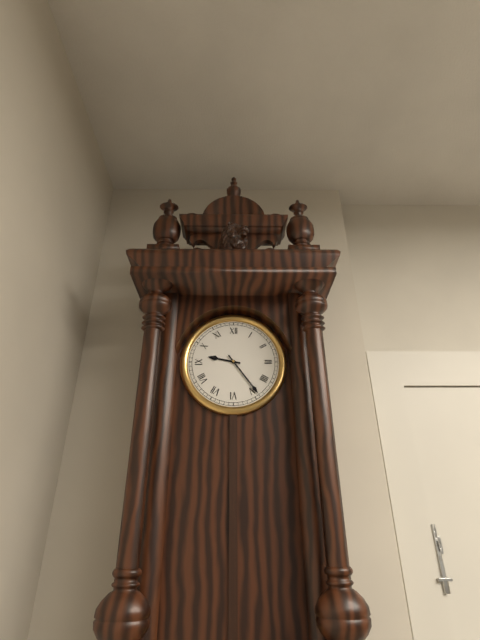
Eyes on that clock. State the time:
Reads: 9:24
